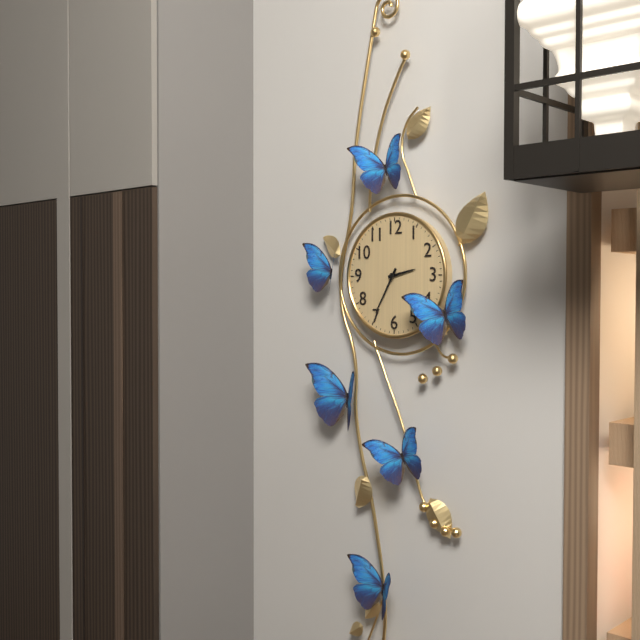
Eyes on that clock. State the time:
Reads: 2:35
